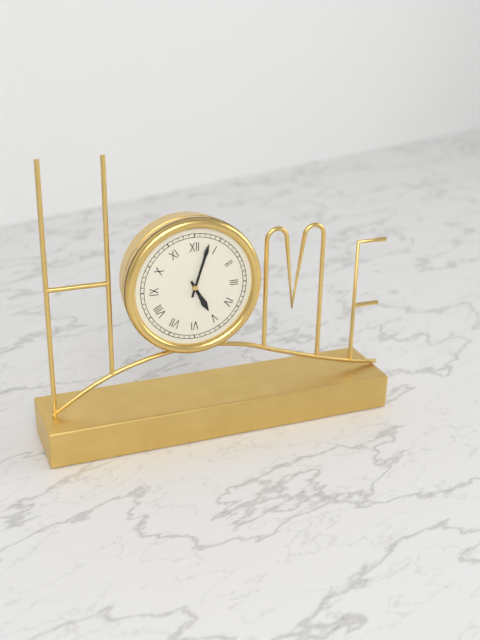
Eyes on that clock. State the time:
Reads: 5:03
